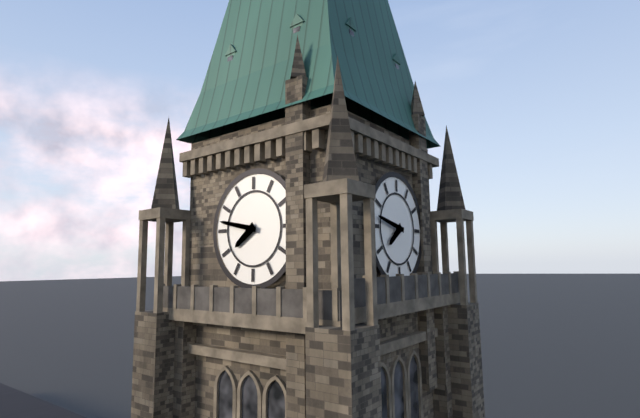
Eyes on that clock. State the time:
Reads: 7:47
